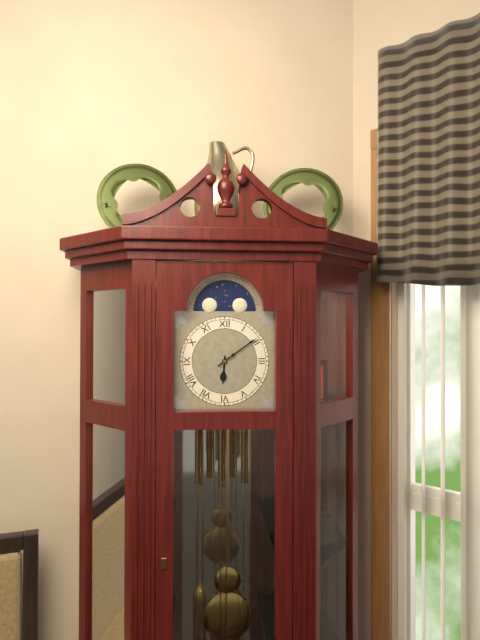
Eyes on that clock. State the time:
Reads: 6:09
